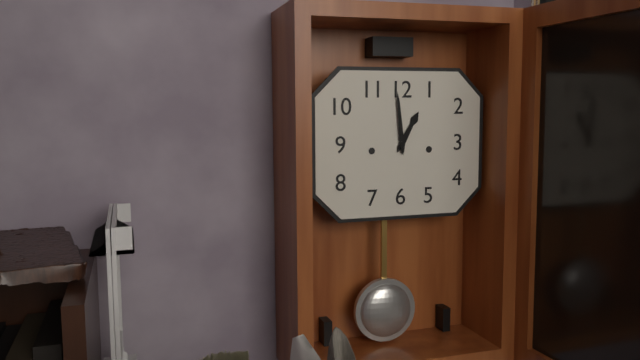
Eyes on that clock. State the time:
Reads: 12:59
